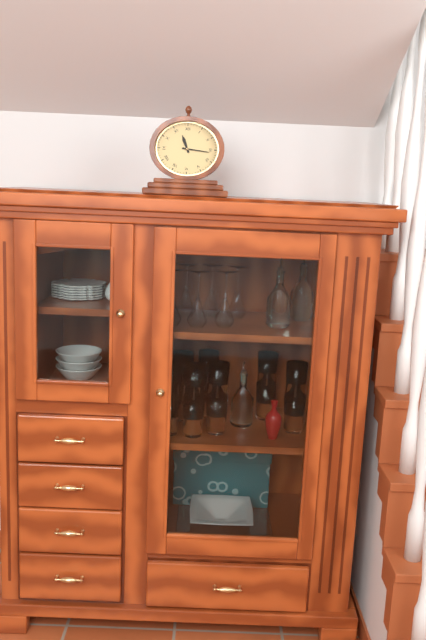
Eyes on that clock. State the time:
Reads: 11:16
